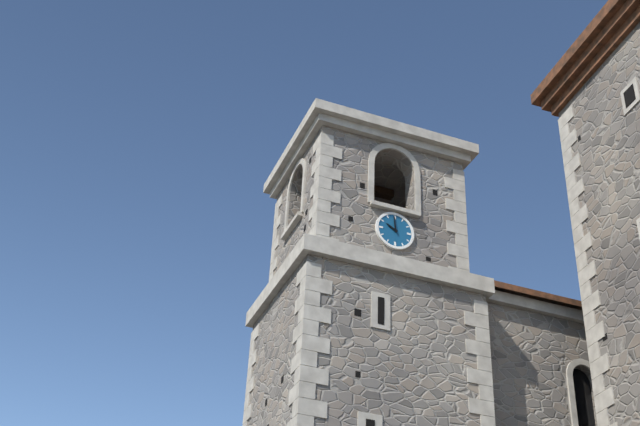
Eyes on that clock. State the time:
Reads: 9:59
